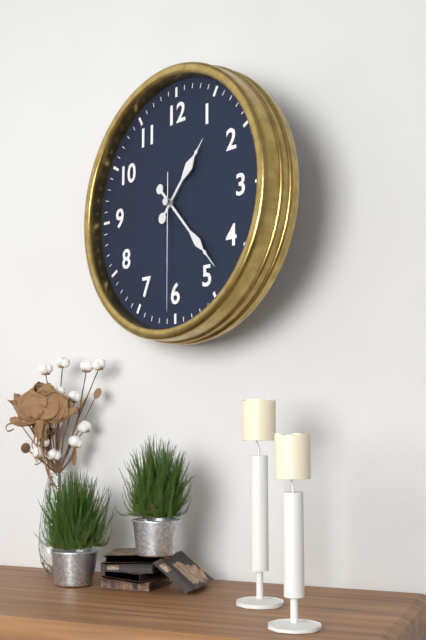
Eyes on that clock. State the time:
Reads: 1:23:30
